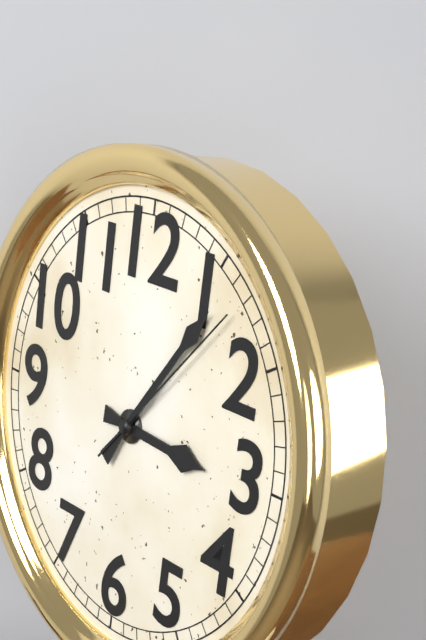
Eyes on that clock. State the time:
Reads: 3:06:07
